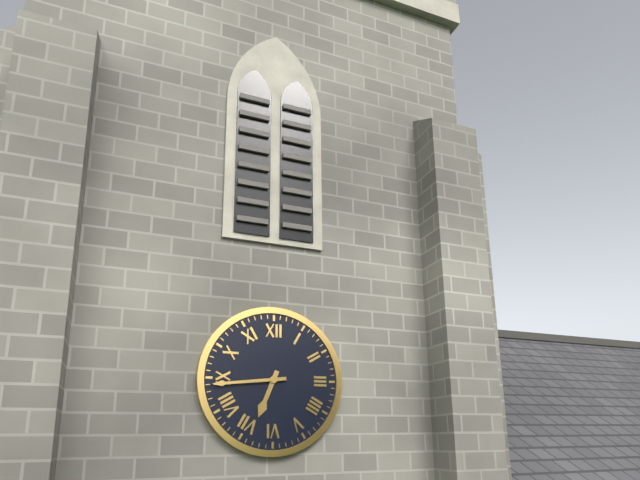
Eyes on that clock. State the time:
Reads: 6:44
